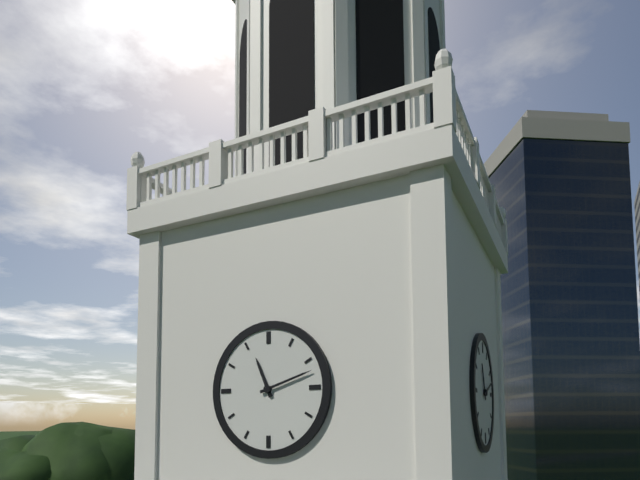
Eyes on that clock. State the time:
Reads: 11:12
